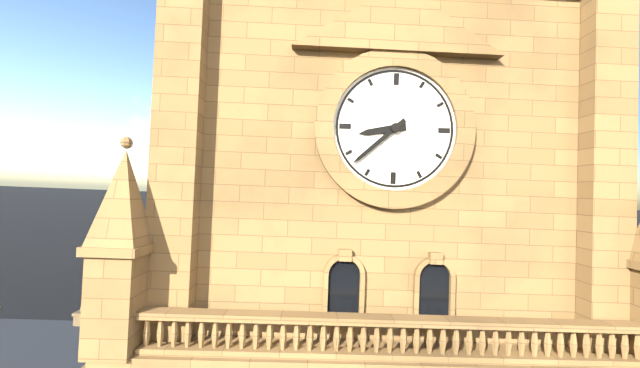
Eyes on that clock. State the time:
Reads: 8:38
